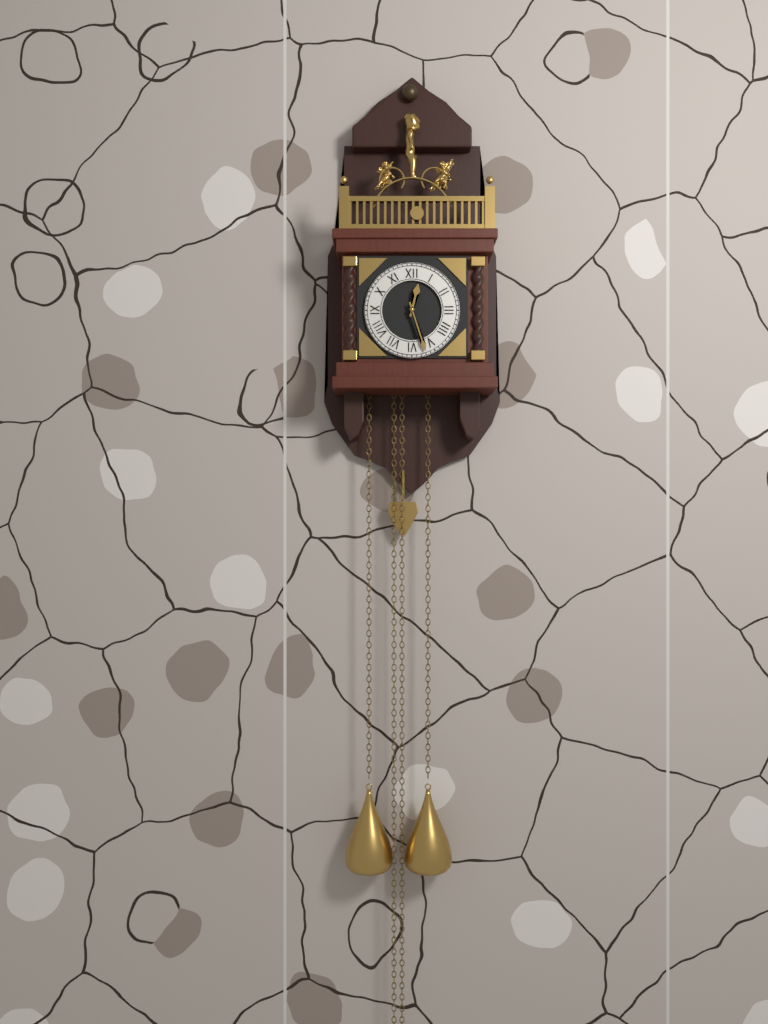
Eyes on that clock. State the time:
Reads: 12:27
